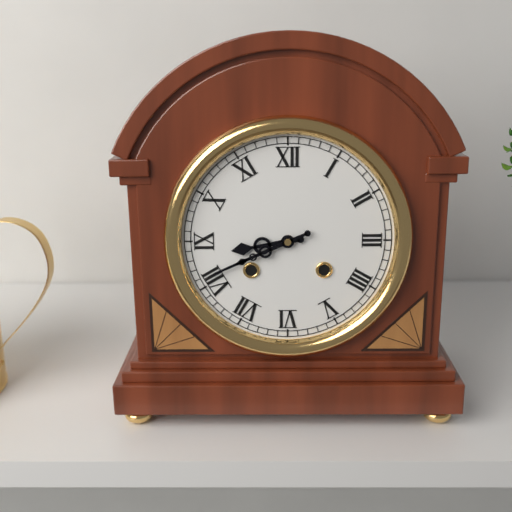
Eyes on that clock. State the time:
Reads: 8:41
